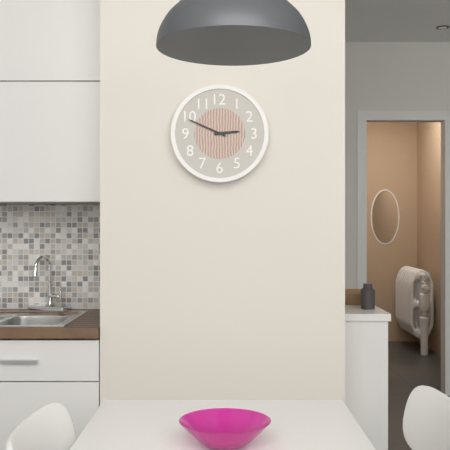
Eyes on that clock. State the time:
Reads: 2:49
